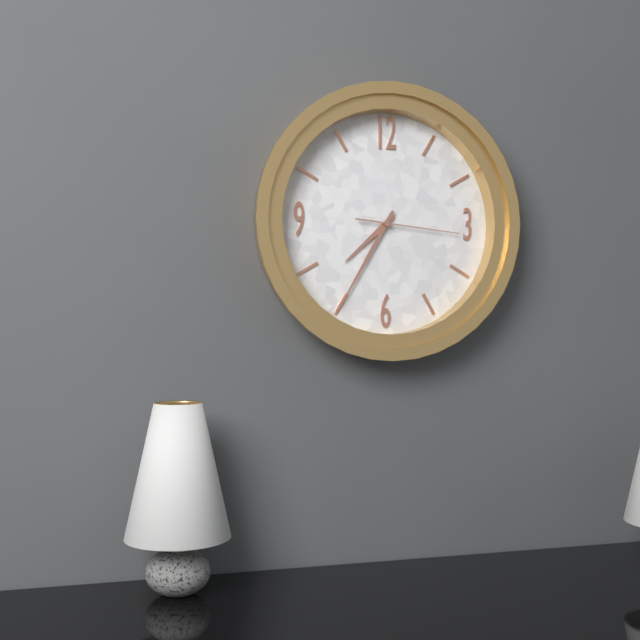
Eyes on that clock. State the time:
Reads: 7:35:16
